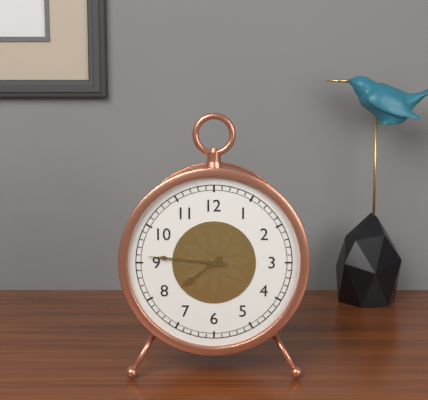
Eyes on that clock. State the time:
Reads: 7:46
